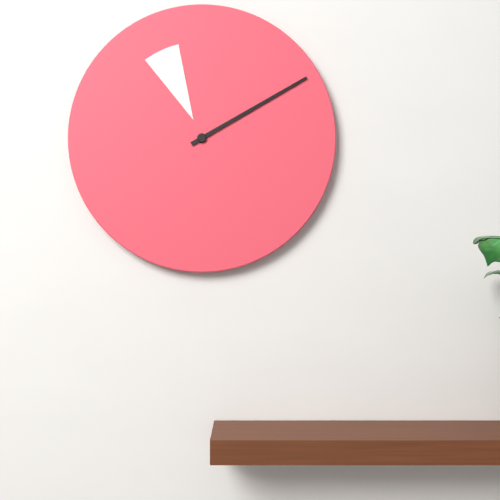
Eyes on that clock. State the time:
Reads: 11:10
